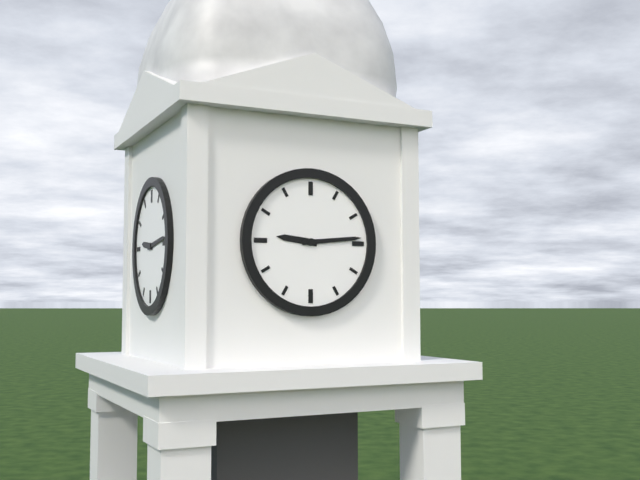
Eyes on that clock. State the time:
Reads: 9:14
